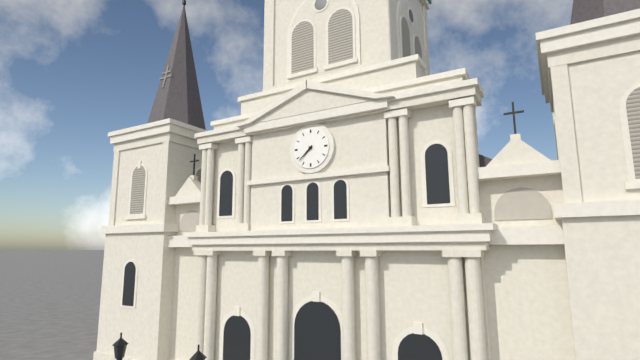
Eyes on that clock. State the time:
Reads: 7:38
